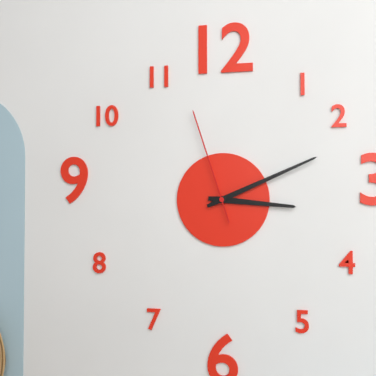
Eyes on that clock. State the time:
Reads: 3:11:57
